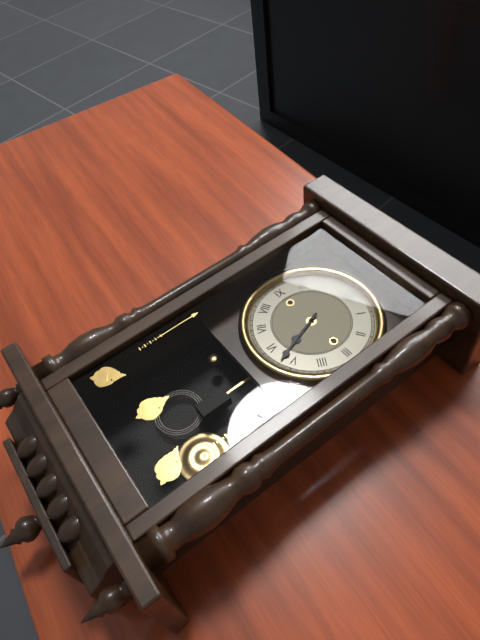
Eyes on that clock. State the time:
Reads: 5:27
